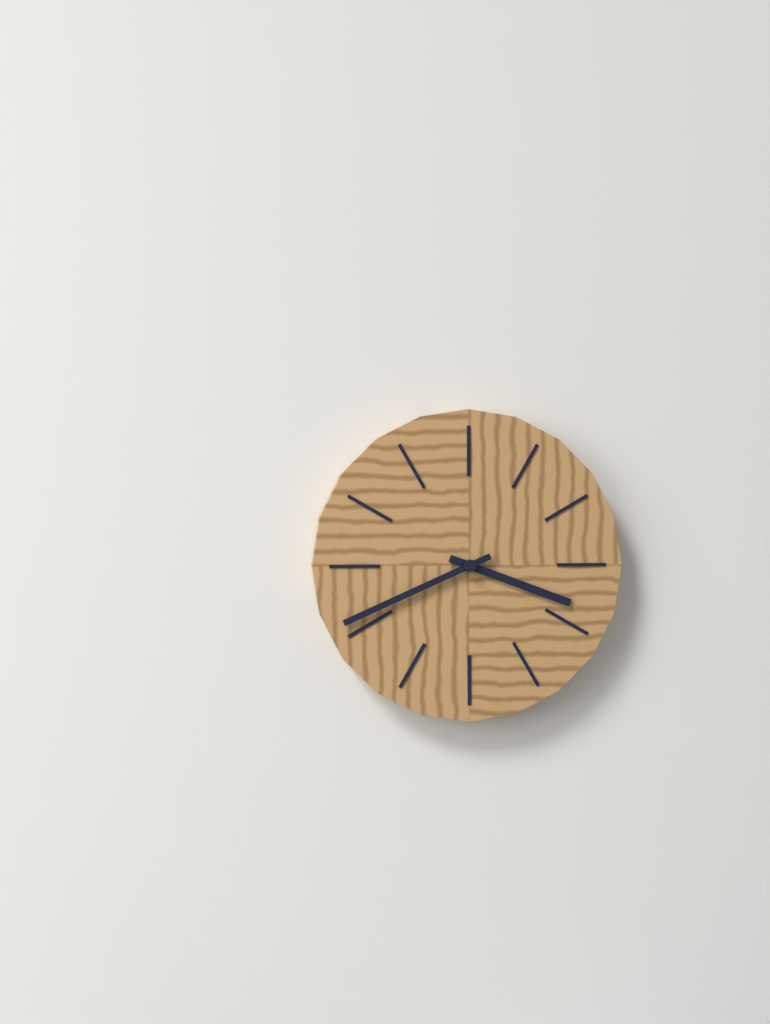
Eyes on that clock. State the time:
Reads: 3:41
